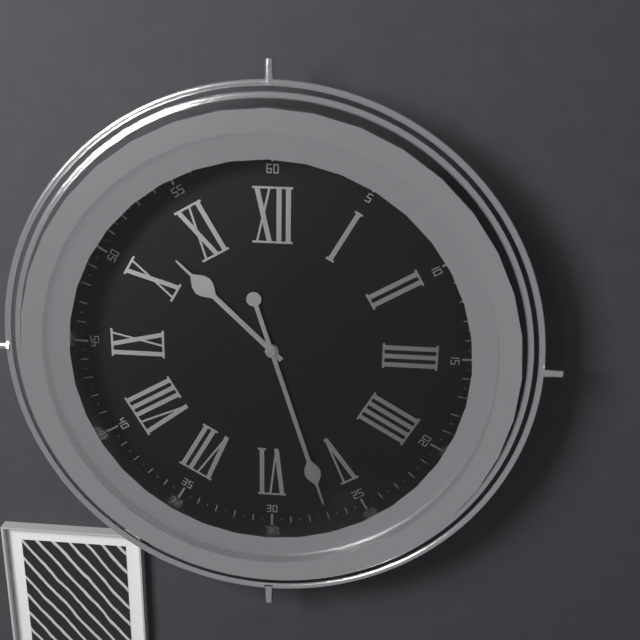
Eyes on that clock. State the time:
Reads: 10:27
